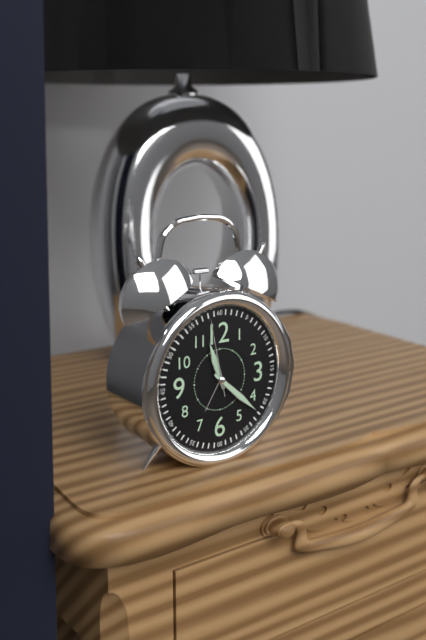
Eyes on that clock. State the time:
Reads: 11:22:58
